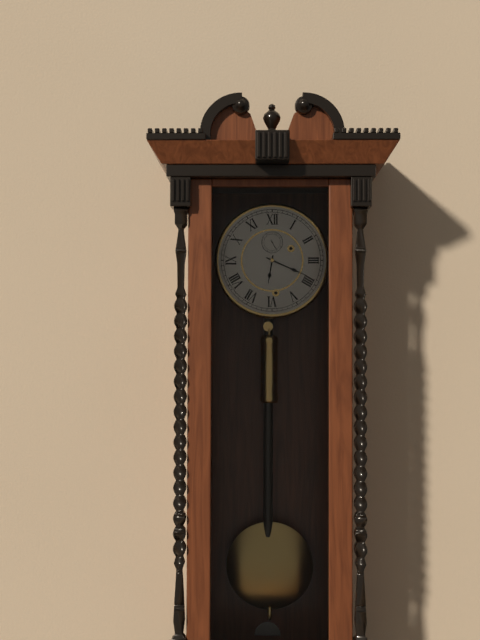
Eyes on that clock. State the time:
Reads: 6:19
